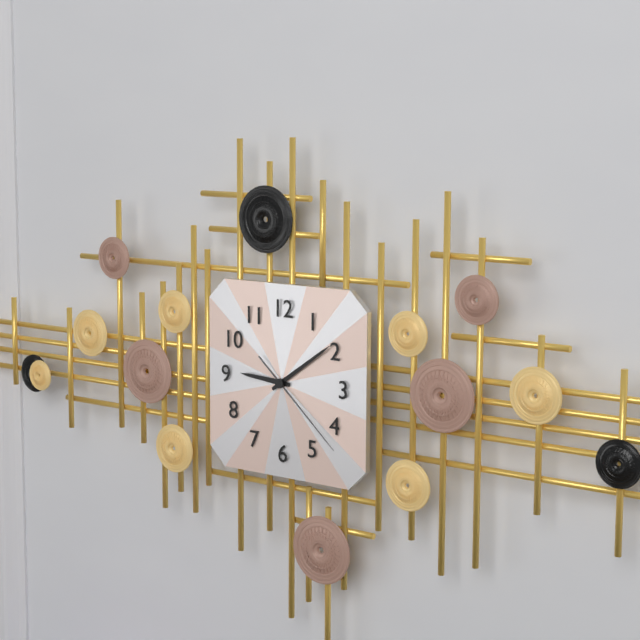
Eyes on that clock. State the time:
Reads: 9:09:22
